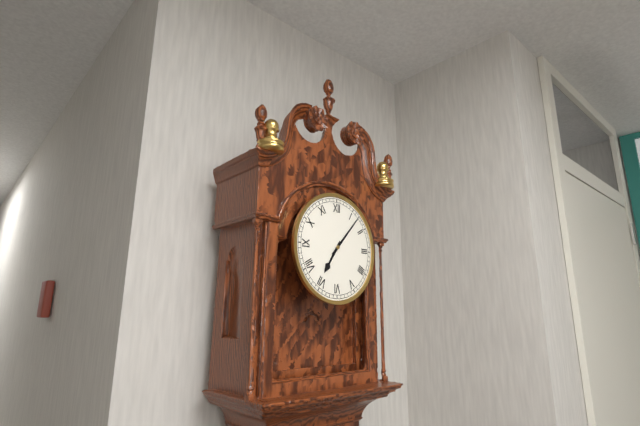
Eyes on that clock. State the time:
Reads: 7:07
